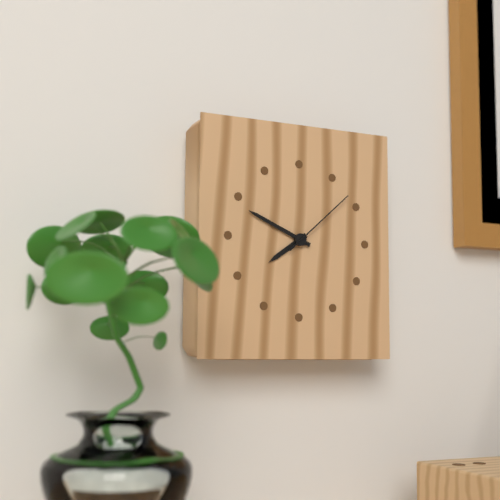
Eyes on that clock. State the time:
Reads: 7:49:08
